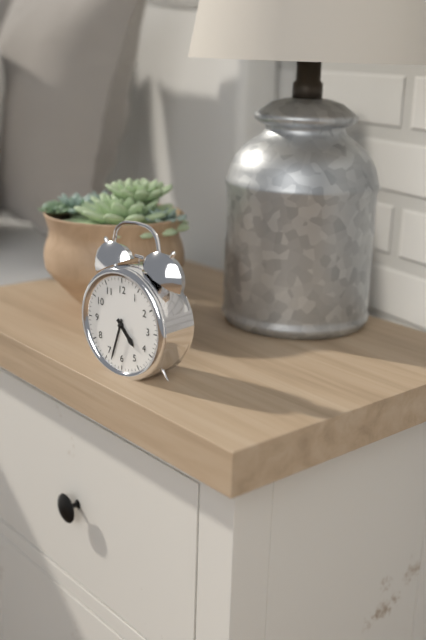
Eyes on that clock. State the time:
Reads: 4:33
